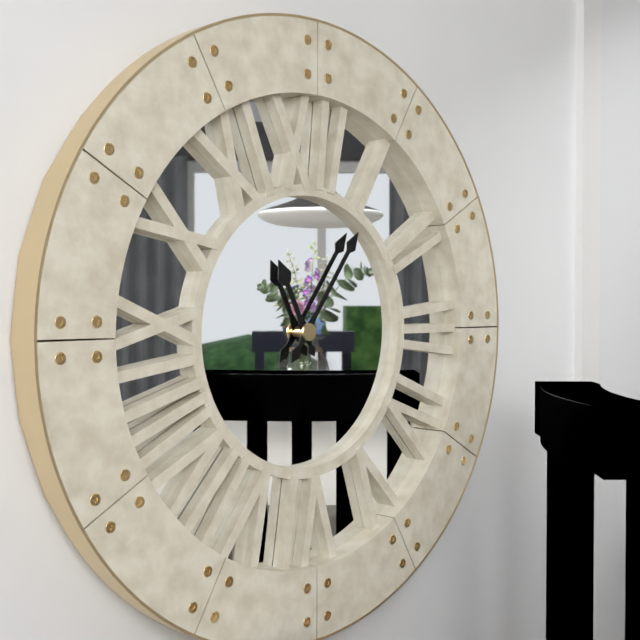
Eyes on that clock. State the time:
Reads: 11:06
